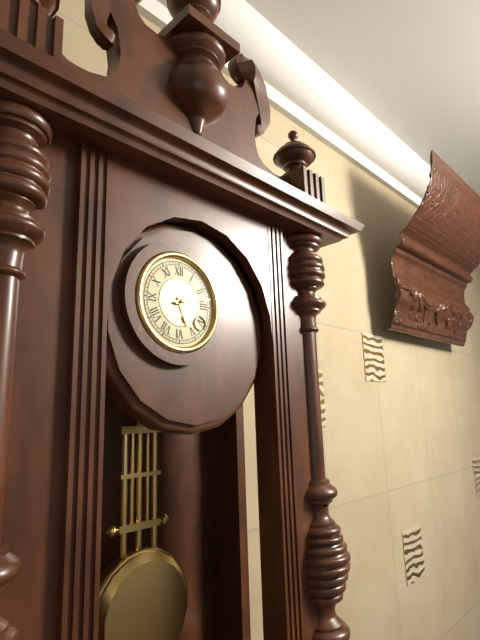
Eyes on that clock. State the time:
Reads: 5:13
